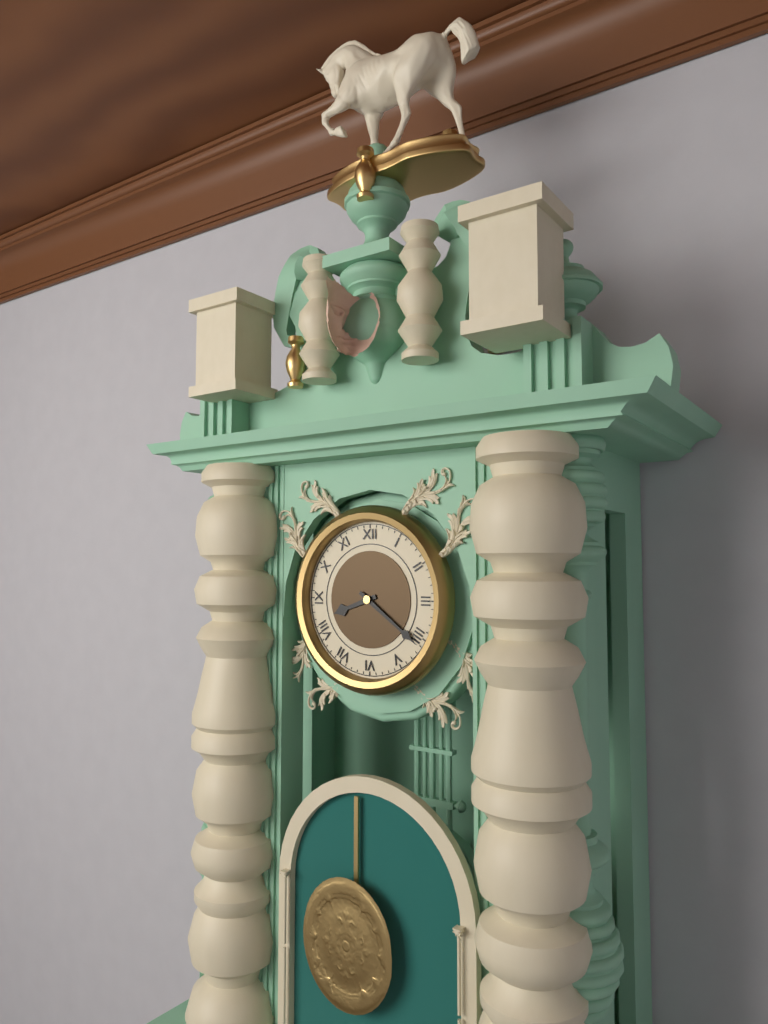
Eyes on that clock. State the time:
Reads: 8:21
